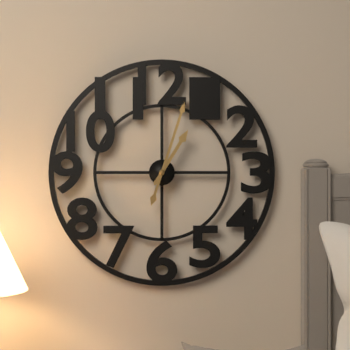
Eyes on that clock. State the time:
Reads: 1:03
